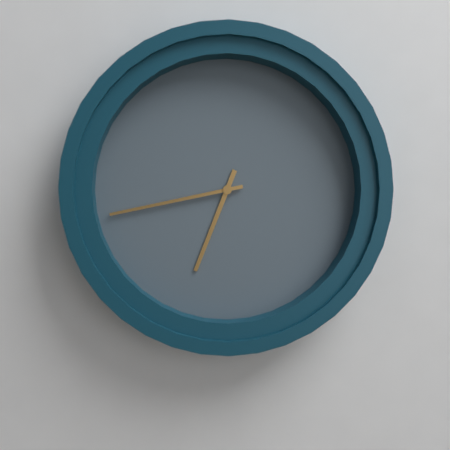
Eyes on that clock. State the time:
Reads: 6:43
